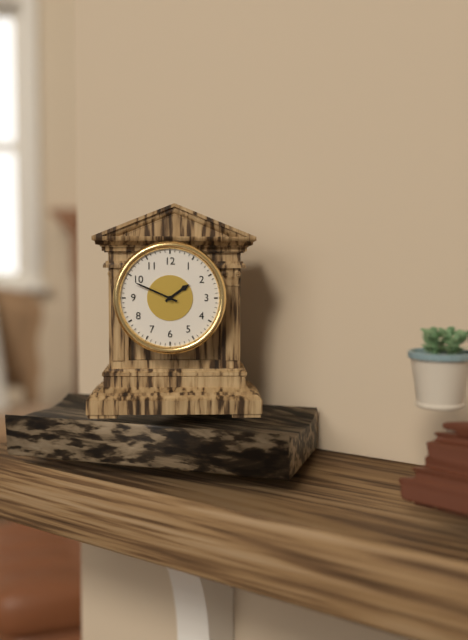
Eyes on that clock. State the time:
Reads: 1:49
